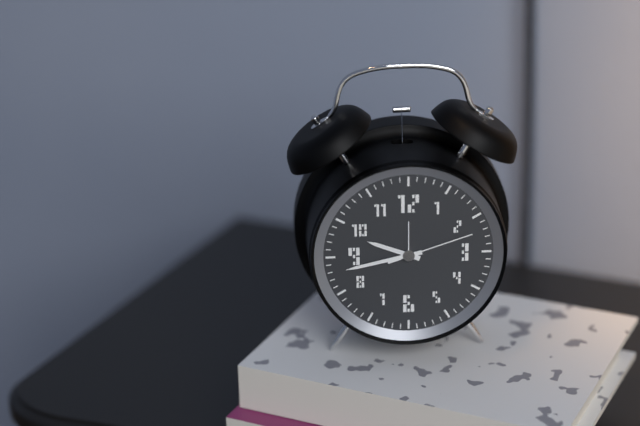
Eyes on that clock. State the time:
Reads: 9:43:12
